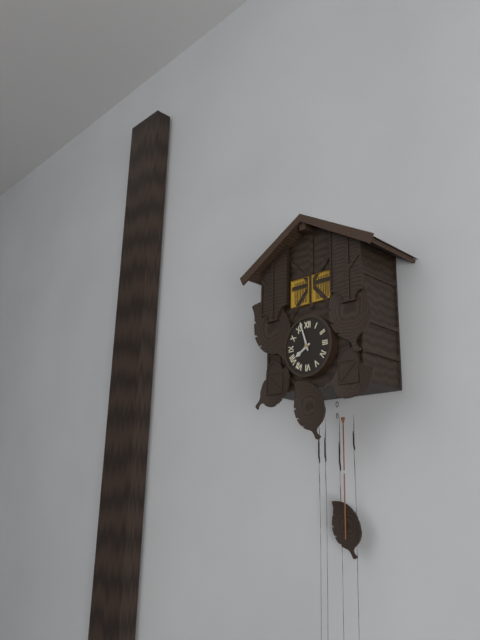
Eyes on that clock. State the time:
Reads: 7:57
